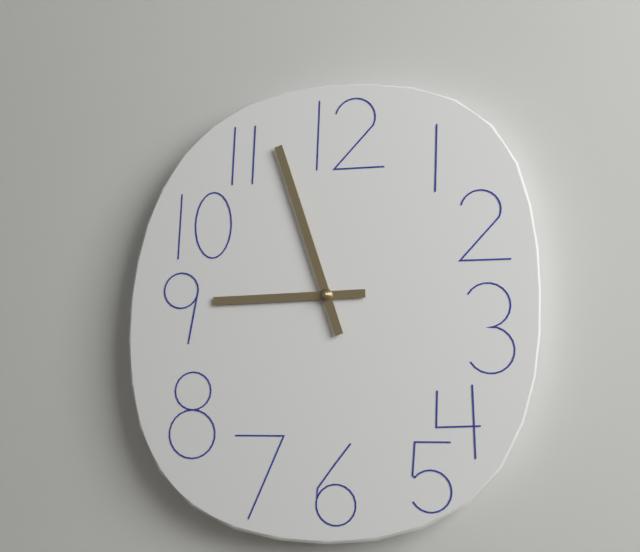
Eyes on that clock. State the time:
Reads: 8:57
